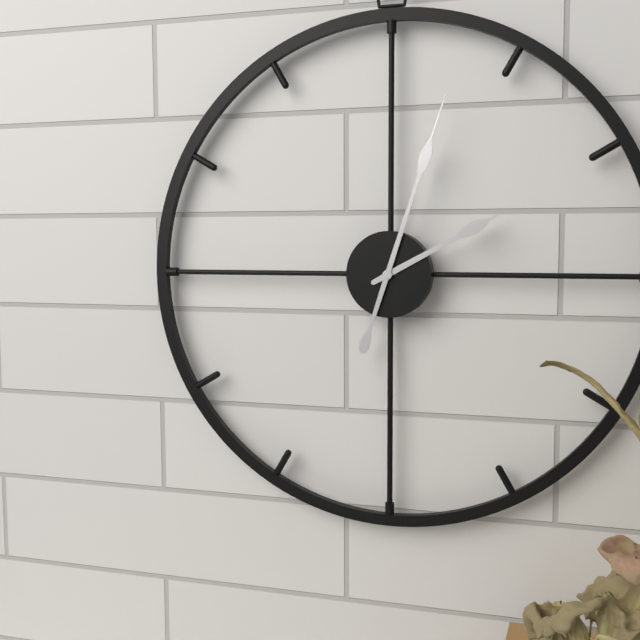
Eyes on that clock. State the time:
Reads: 2:03
